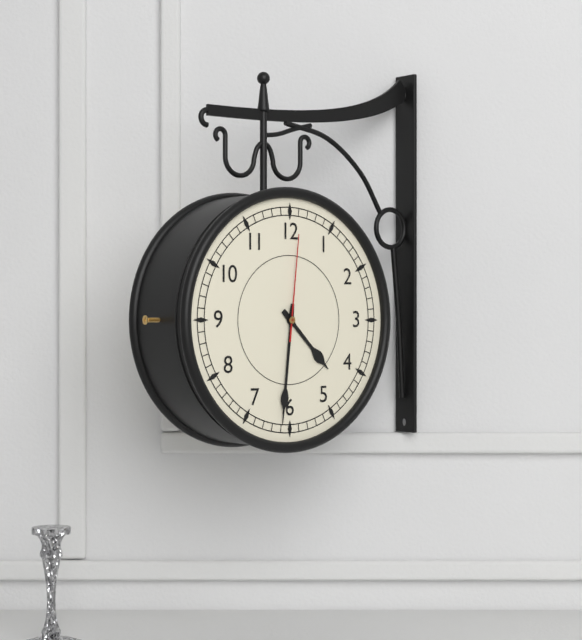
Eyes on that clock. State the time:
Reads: 4:31:01
